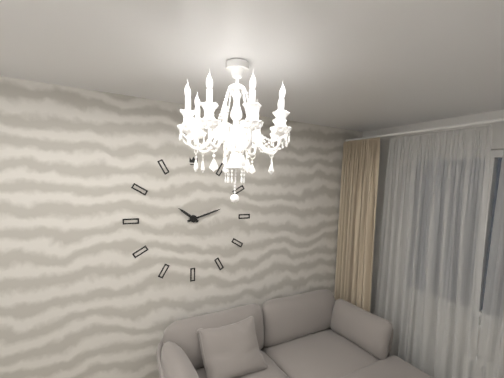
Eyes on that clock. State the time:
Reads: 10:12
